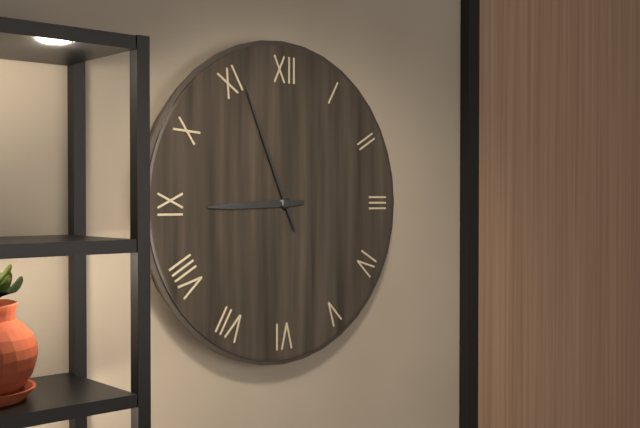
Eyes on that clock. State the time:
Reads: 8:56
